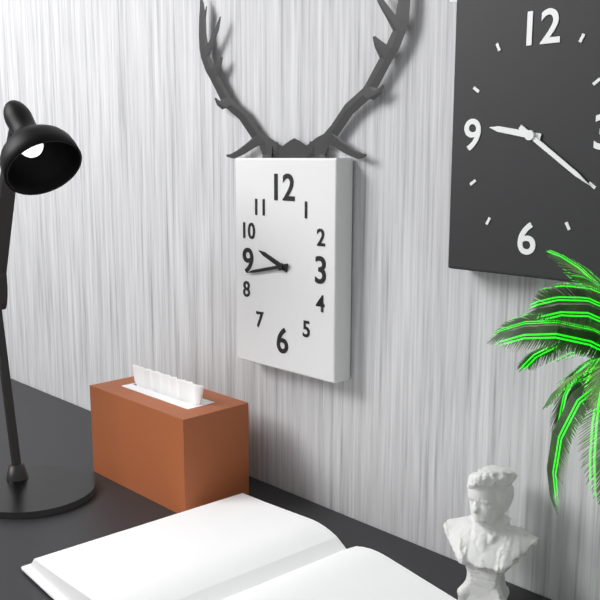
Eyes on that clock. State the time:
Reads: 9:43
